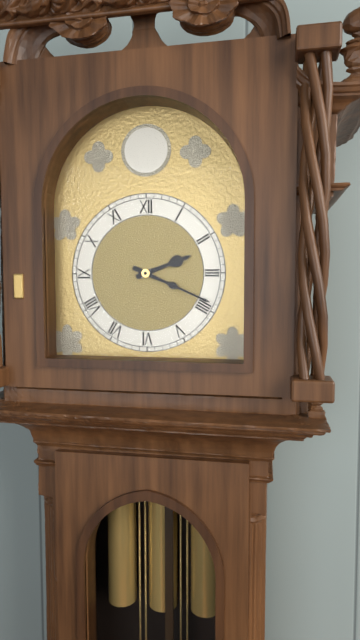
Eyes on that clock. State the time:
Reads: 2:19
